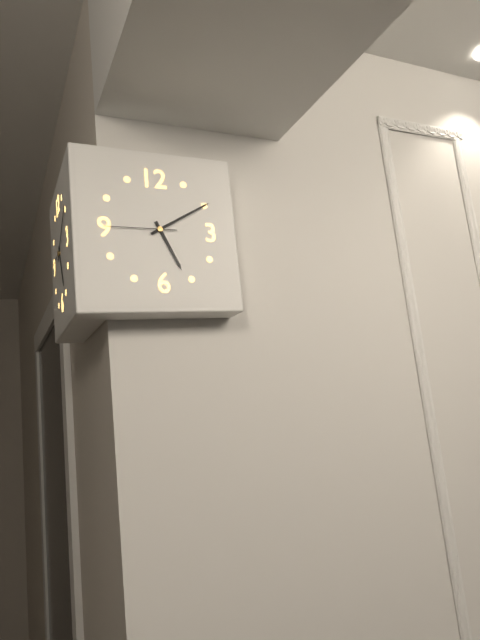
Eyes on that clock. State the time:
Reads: 5:10:45
